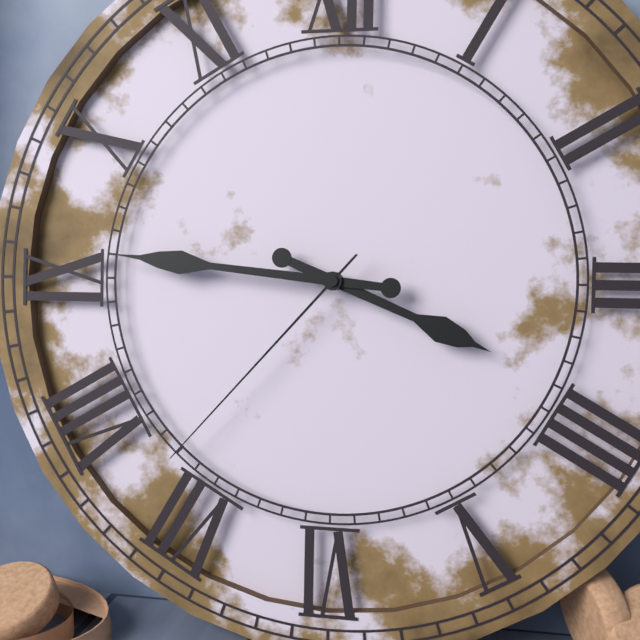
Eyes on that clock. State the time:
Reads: 3:46:37
